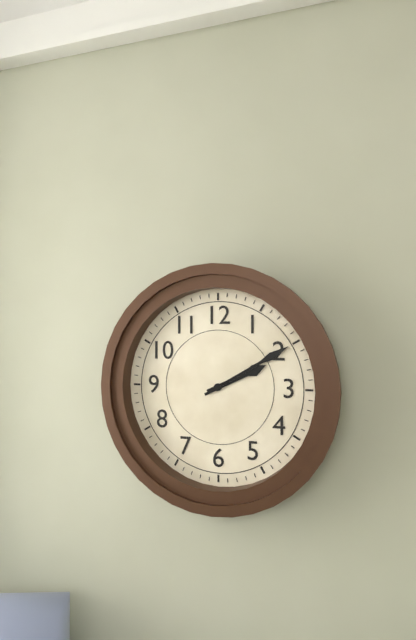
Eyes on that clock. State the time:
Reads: 2:10
